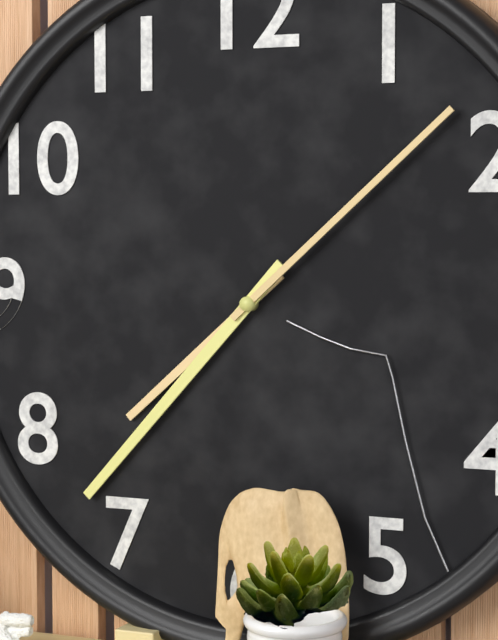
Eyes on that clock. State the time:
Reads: 7:37:08
